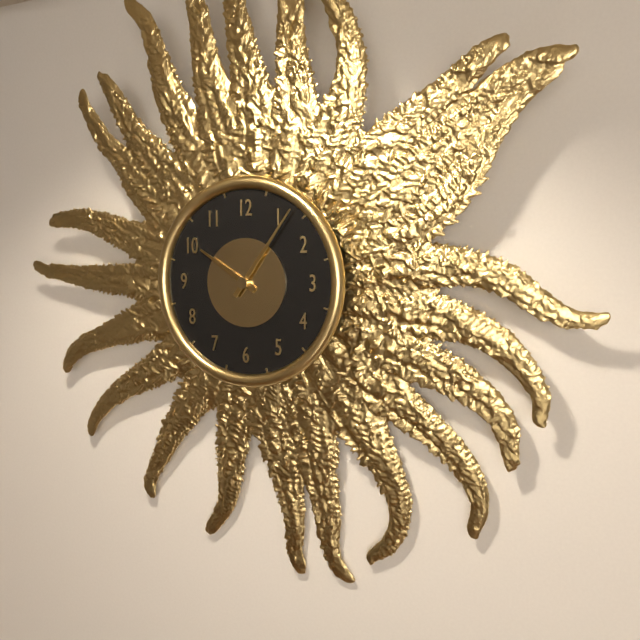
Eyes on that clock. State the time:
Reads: 10:06
